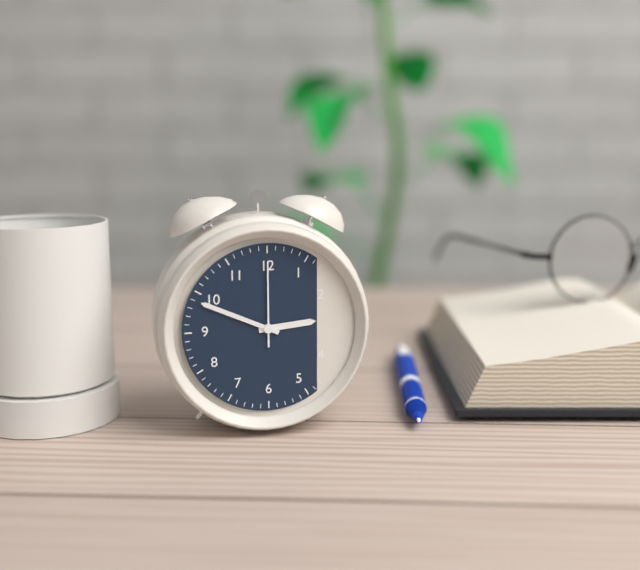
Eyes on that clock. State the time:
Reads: 2:49:00
